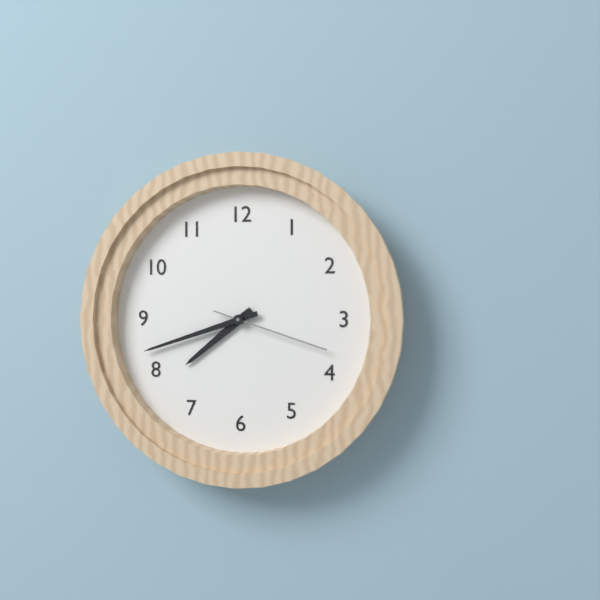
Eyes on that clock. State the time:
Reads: 7:42:18
